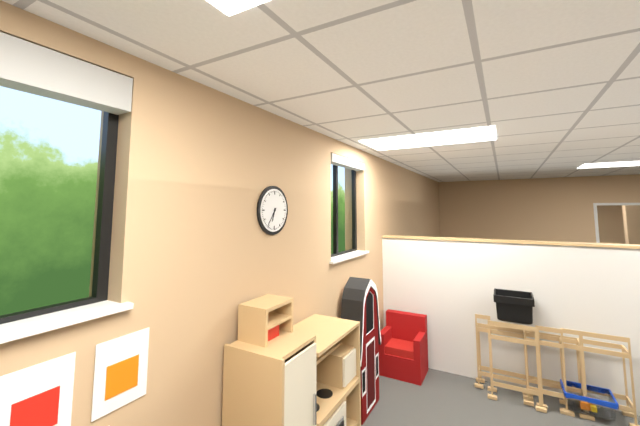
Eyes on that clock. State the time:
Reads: 6:36
